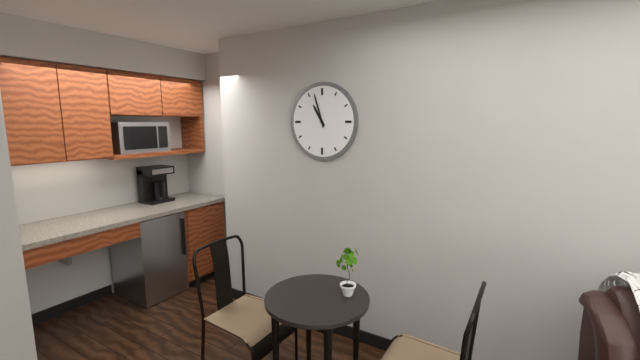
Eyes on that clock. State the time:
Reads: 10:57
